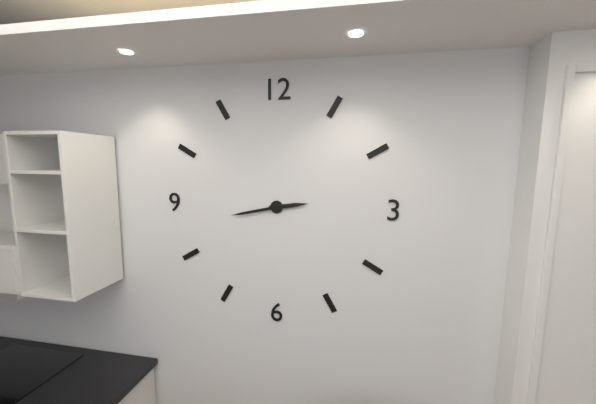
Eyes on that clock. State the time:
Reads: 2:43
